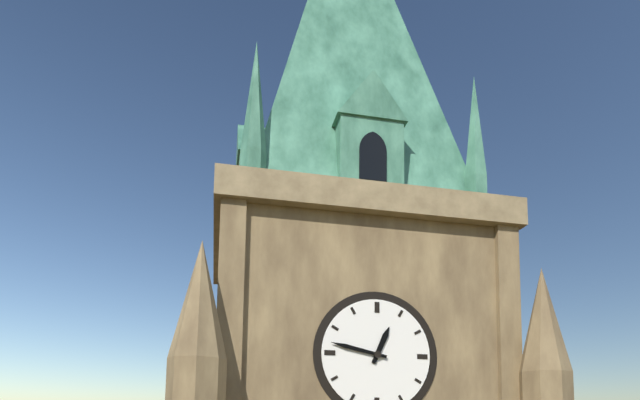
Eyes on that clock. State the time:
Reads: 12:47
